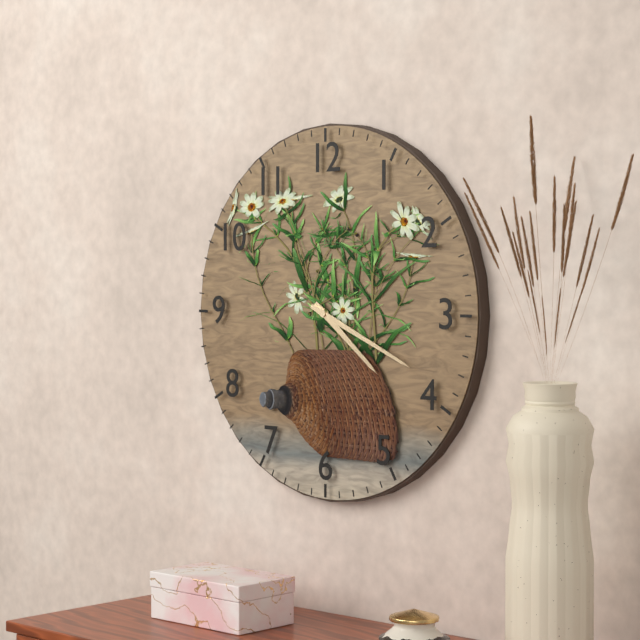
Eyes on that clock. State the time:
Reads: 4:19
